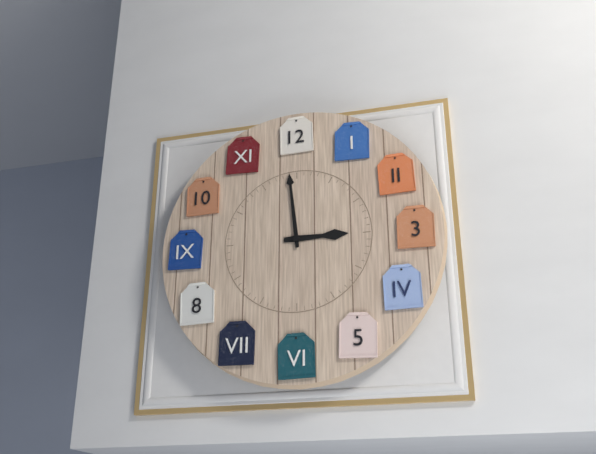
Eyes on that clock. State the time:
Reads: 2:59
